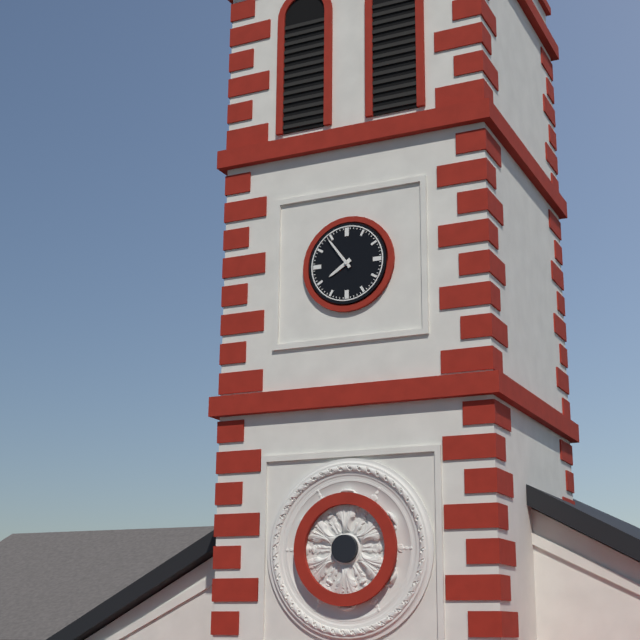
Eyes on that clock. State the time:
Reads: 7:54
